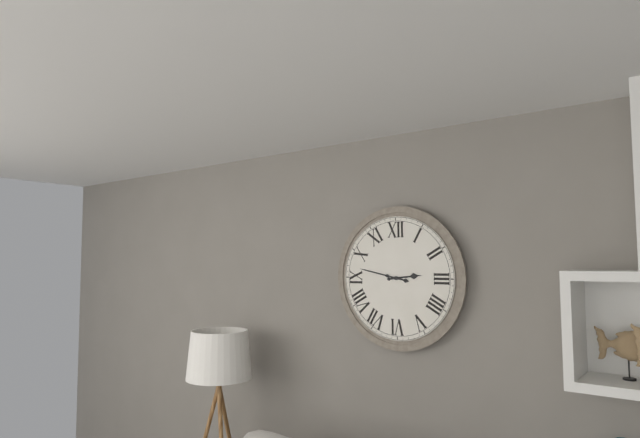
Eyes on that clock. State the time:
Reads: 2:47
